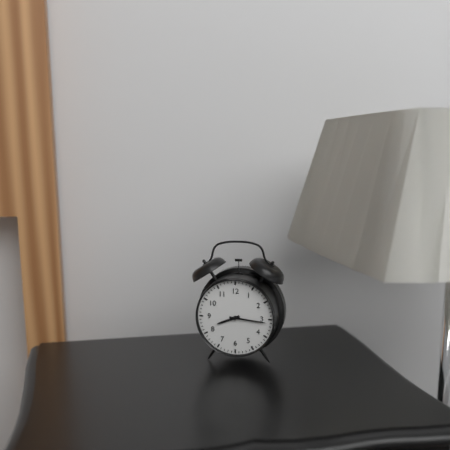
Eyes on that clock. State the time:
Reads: 8:16
